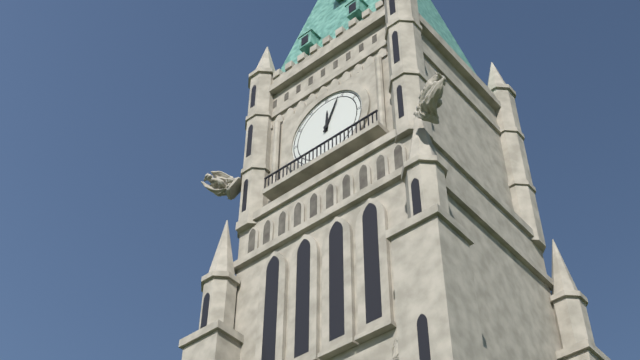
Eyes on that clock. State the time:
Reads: 12:04
